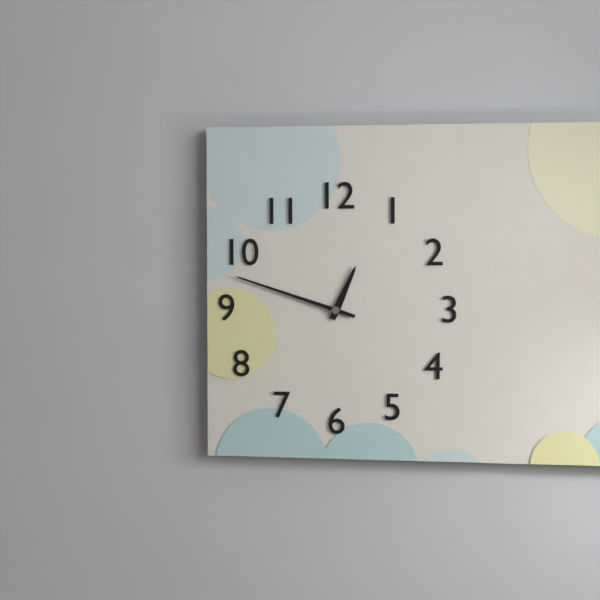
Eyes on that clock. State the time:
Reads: 12:48
